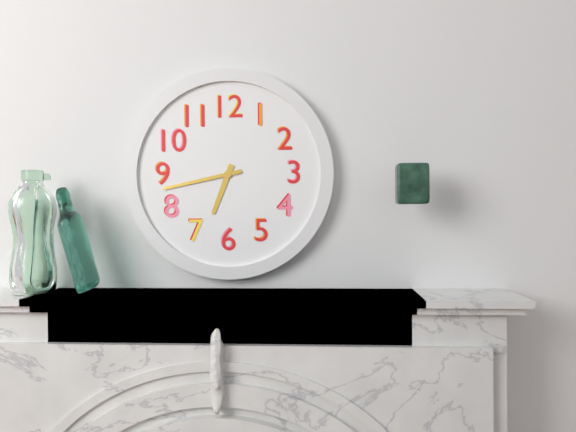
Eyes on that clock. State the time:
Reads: 6:43
